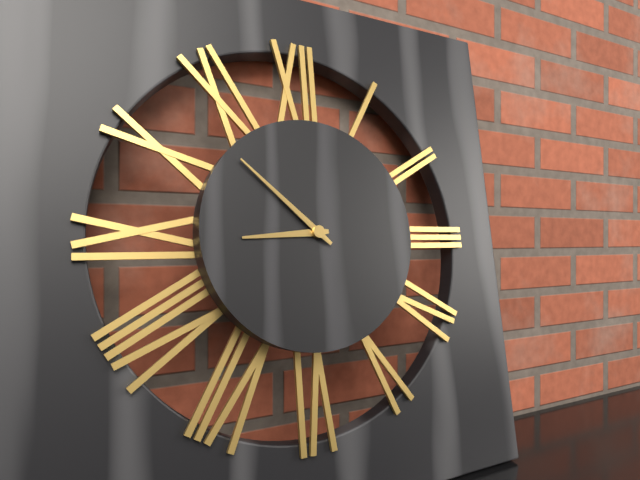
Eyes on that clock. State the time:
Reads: 8:52
